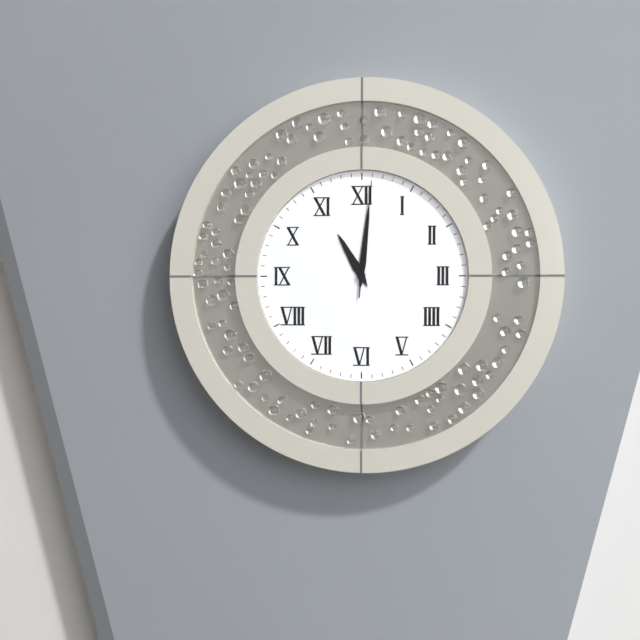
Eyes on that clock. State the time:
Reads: 11:01:01
